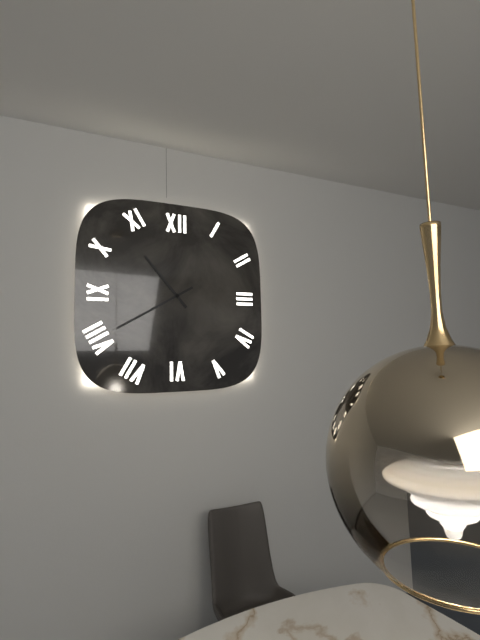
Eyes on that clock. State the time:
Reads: 10:40
